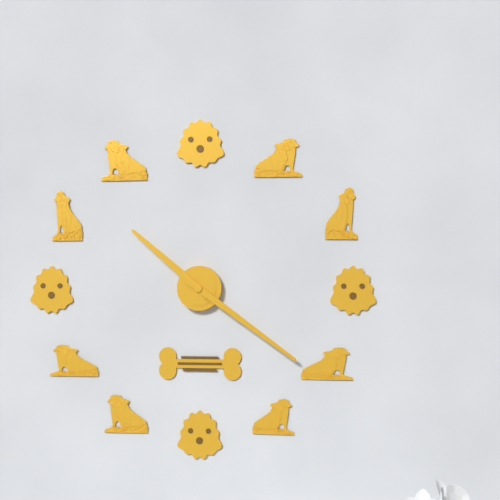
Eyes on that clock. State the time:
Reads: 10:21
